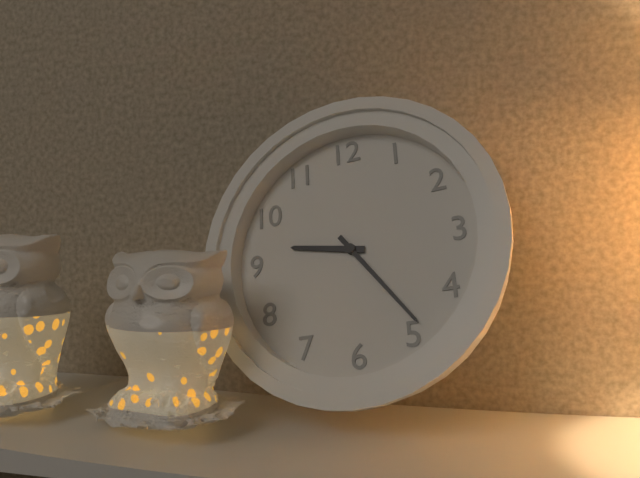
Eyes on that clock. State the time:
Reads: 9:24
